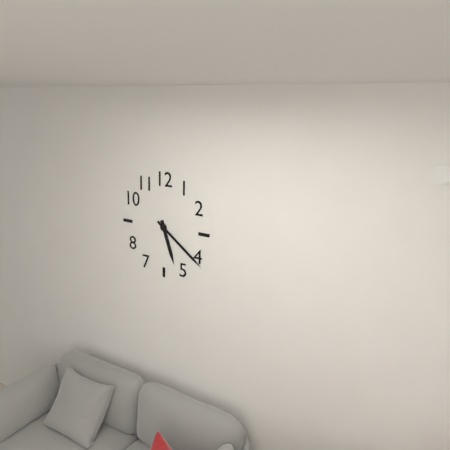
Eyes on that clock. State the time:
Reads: 5:21
